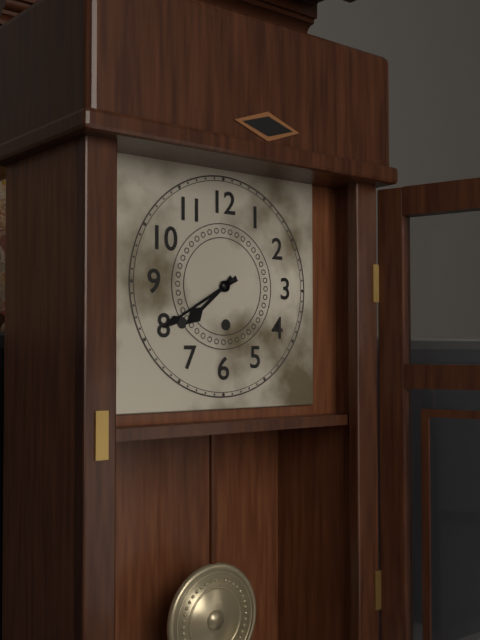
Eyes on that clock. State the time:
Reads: 7:40
